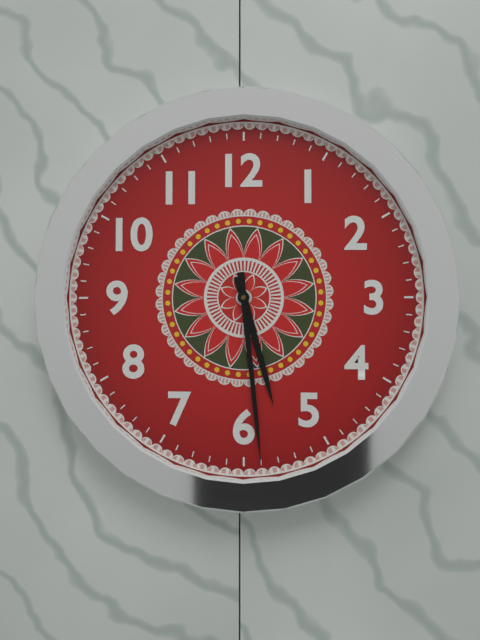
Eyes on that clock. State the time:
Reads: 5:29
